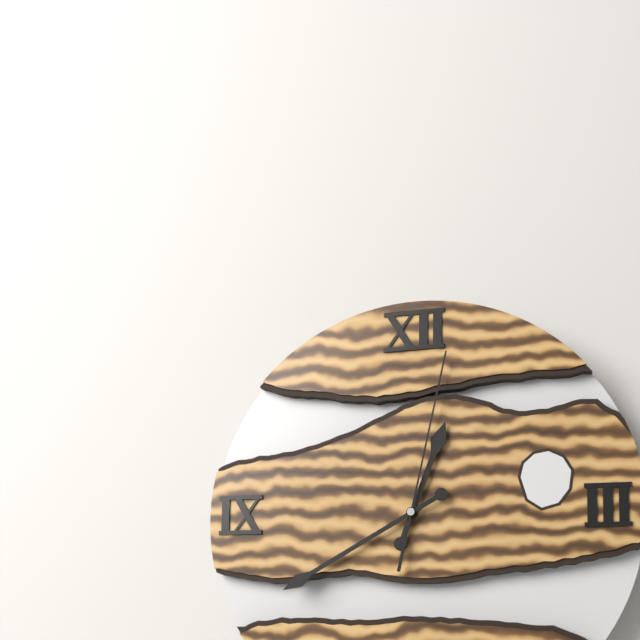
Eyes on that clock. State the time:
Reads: 12:40:02
